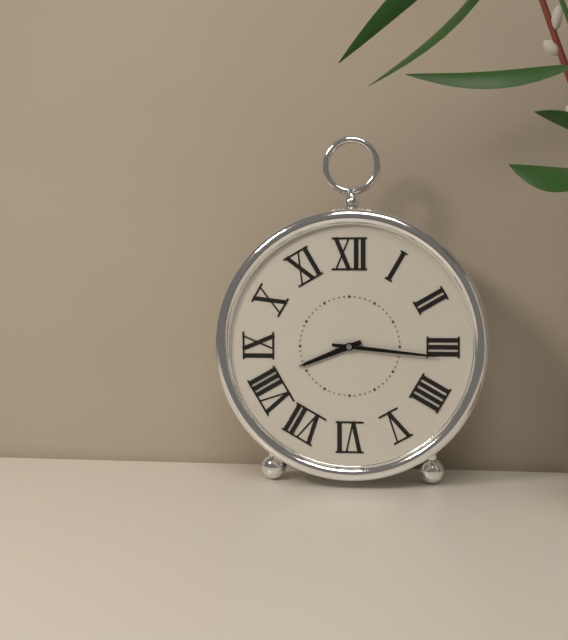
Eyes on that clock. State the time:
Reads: 8:16
